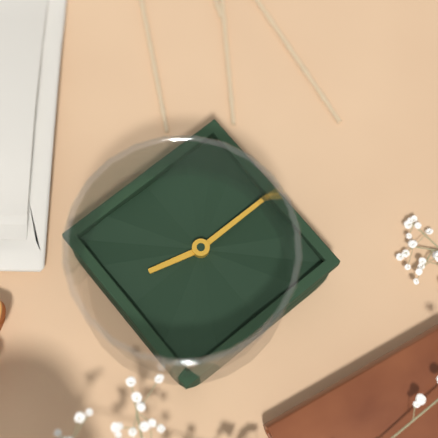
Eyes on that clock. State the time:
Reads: 12:30
